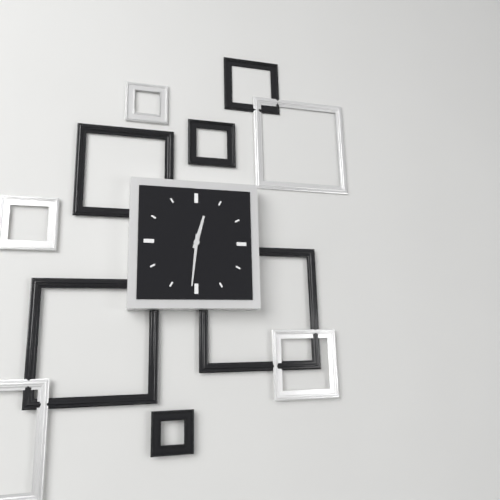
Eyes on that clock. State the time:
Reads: 12:31
